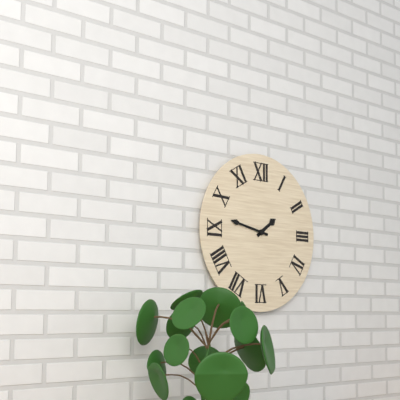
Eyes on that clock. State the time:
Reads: 1:47
